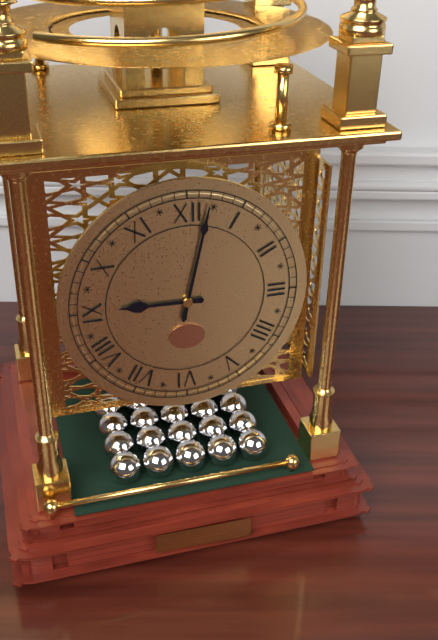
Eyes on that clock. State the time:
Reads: 9:02
